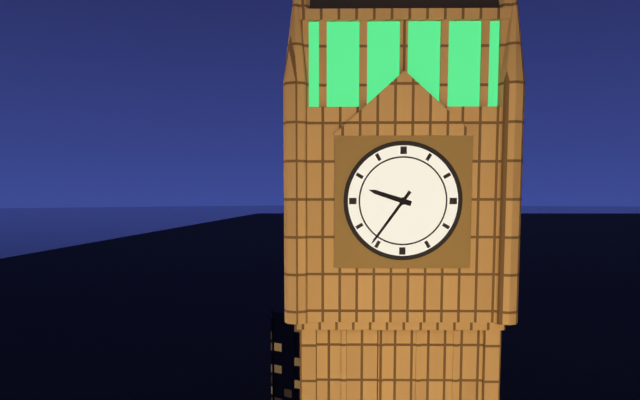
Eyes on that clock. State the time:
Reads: 9:36
